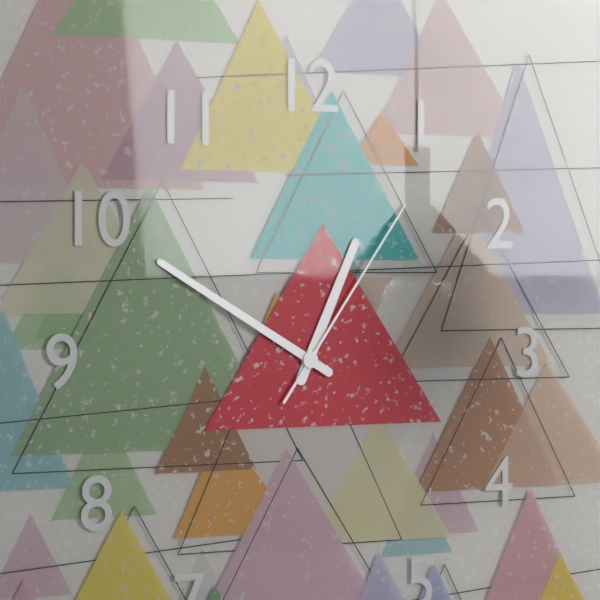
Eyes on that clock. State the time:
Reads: 12:50:06
